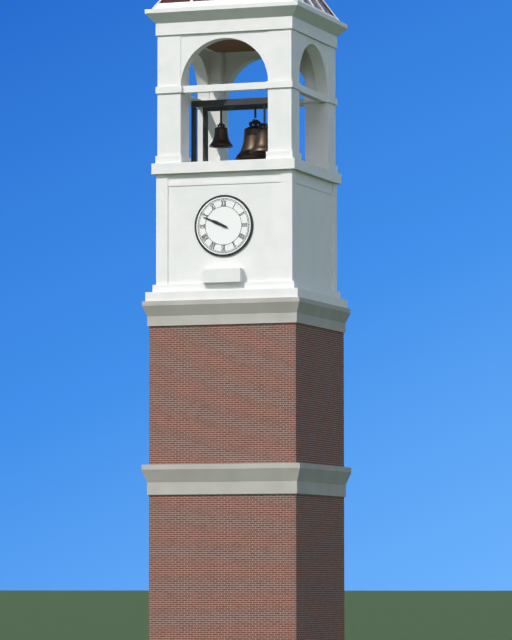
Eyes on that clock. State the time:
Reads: 9:49
